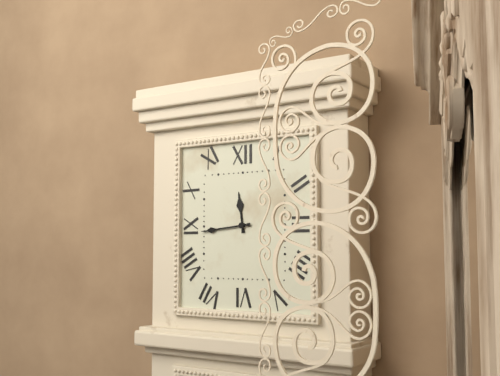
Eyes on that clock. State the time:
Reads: 11:44
